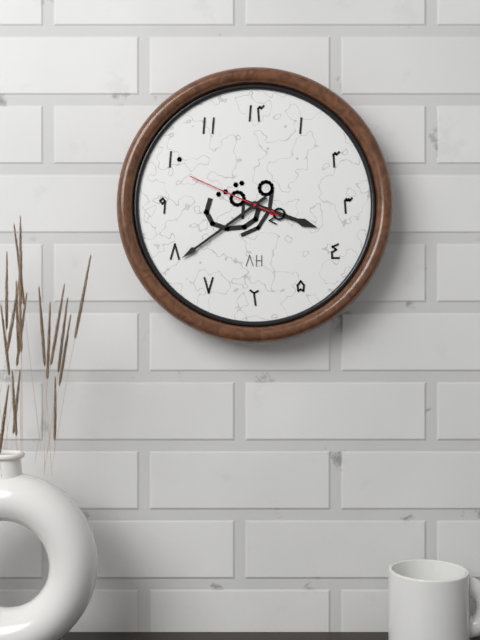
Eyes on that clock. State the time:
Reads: 3:39:49
